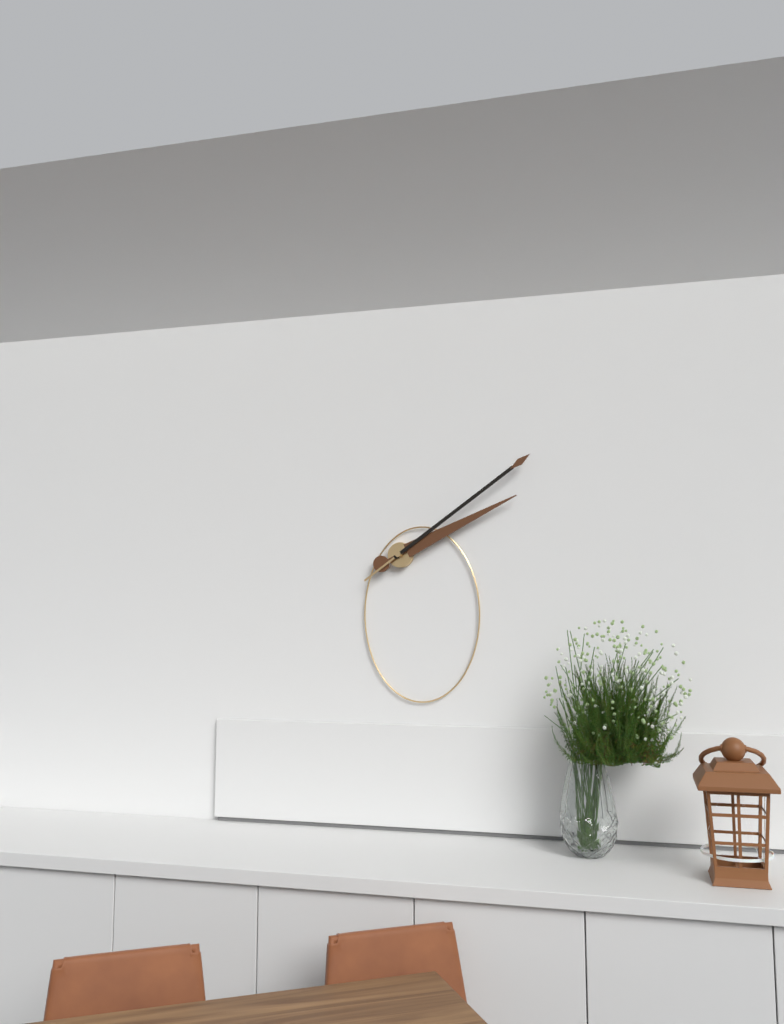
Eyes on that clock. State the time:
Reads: 2:09
